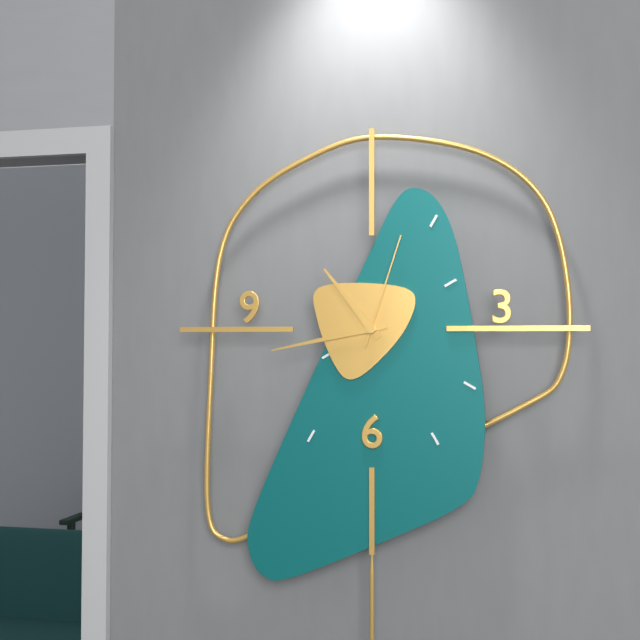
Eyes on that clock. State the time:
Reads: 10:43:03
